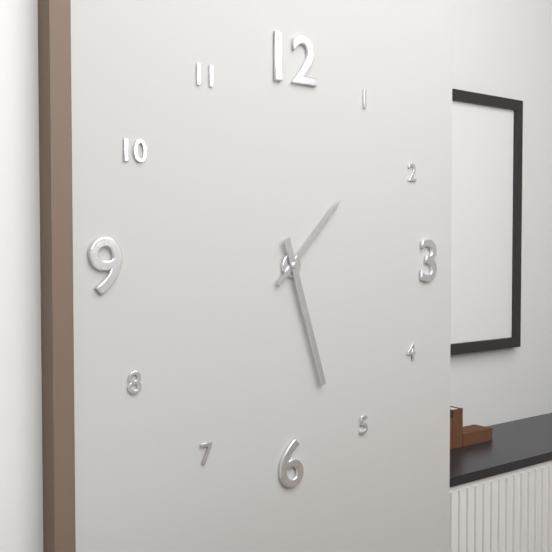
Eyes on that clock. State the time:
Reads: 1:27
